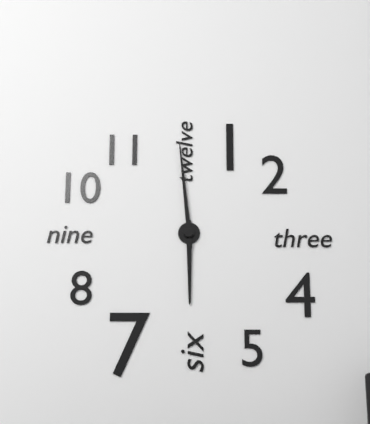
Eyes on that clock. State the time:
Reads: 5:59
